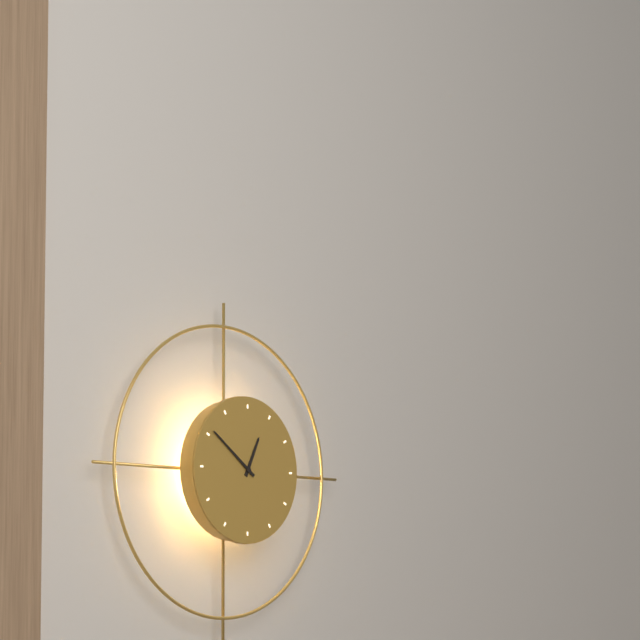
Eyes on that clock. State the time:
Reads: 12:51
